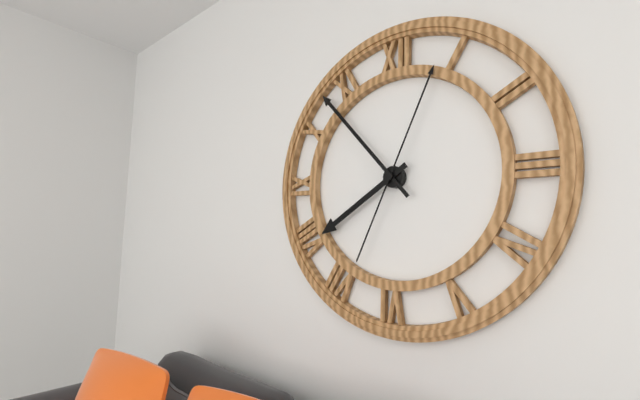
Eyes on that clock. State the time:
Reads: 7:53:04
